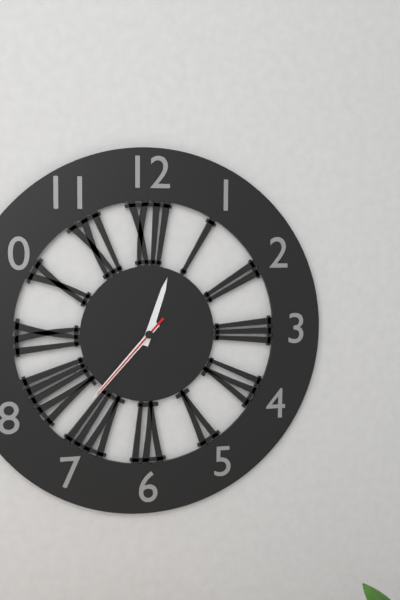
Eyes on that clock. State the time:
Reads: 12:37:37
